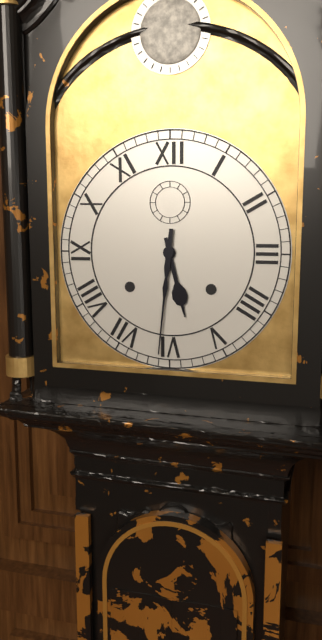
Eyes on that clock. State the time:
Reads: 5:31
